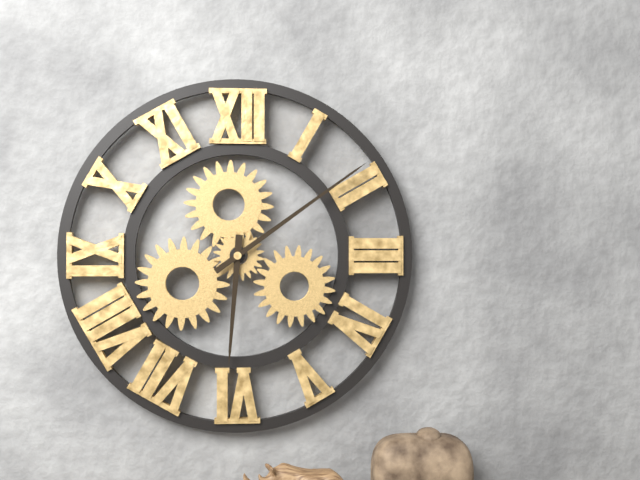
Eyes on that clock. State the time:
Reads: 6:09
